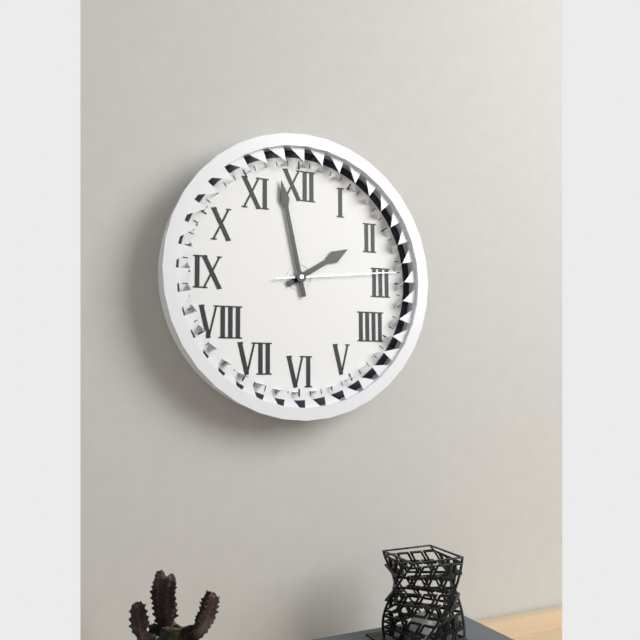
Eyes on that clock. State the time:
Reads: 1:58:14
